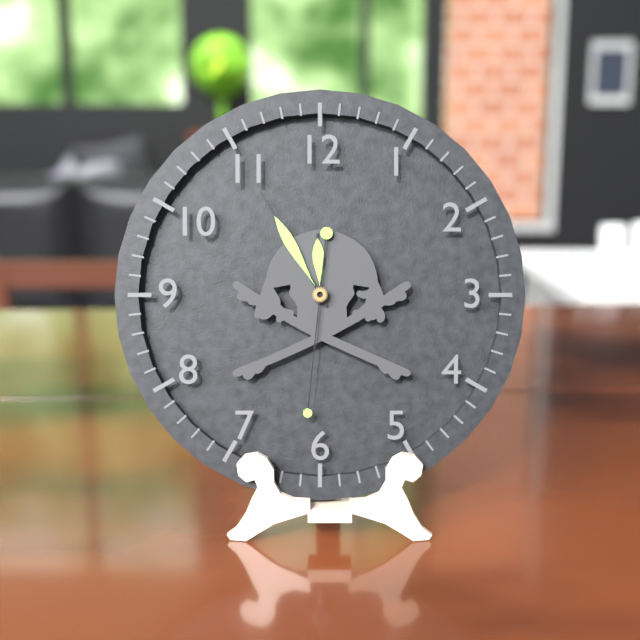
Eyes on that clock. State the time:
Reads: 11:55:31
